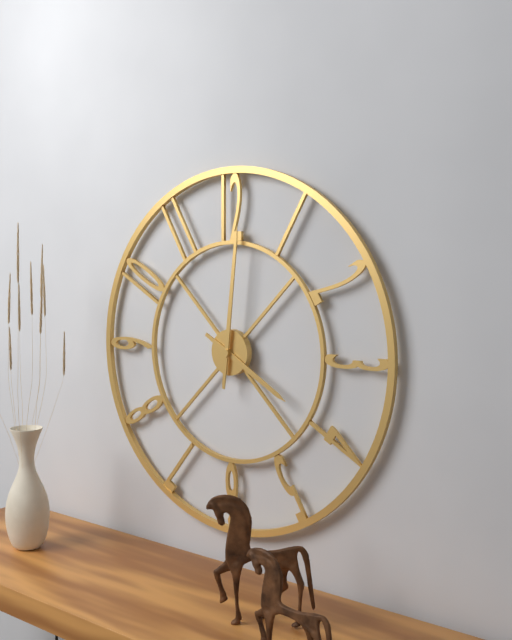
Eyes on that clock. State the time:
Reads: 4:01
